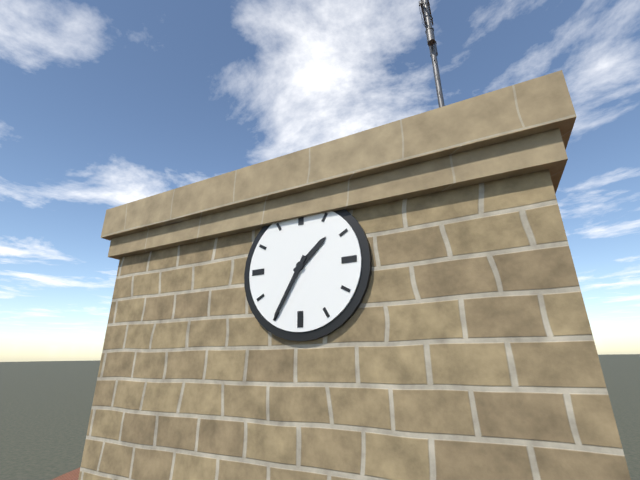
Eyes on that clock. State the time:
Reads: 1:35
